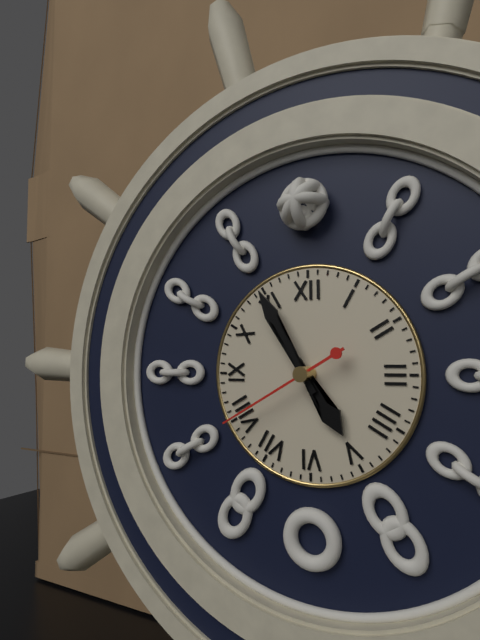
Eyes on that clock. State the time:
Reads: 4:55:40
